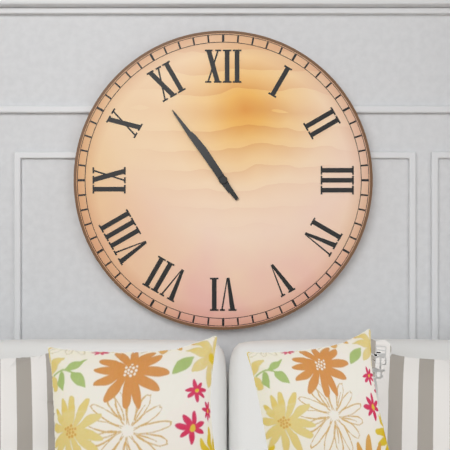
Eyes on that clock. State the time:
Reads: 10:54
